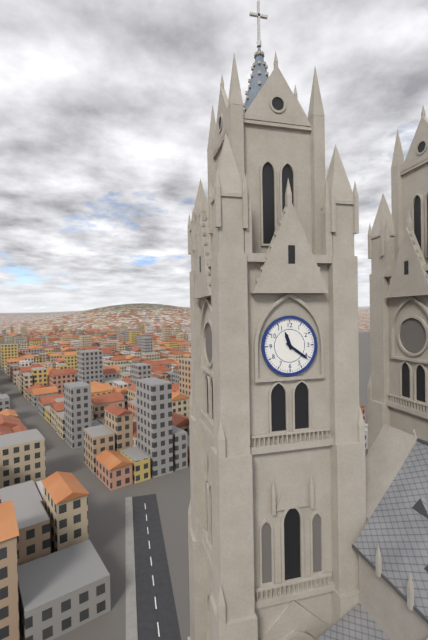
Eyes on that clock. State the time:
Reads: 11:21
